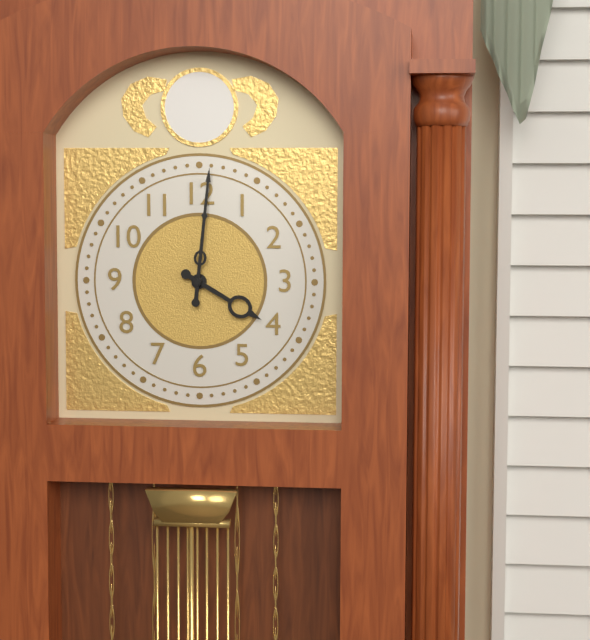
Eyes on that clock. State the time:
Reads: 4:01
